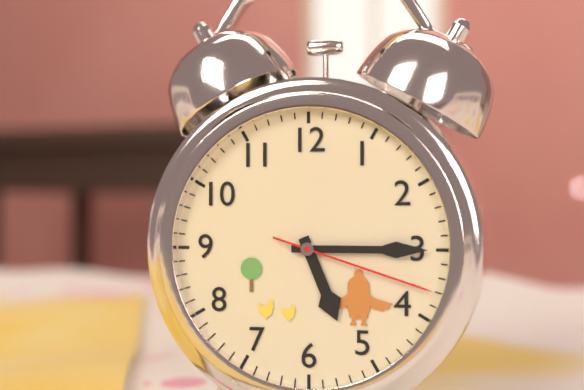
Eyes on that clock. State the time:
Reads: 5:15:18
